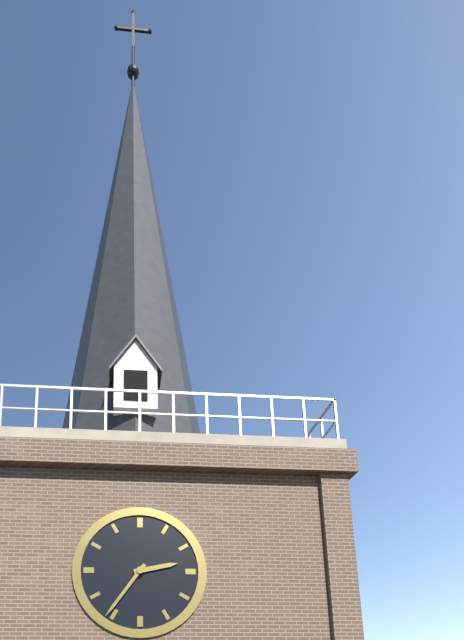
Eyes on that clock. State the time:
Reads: 2:36
